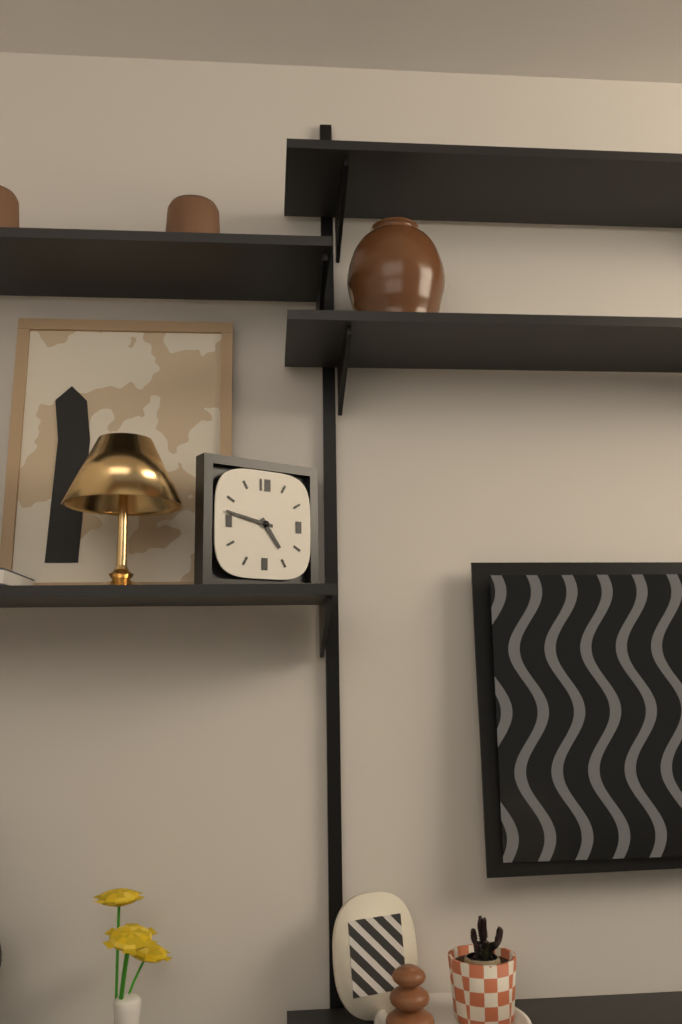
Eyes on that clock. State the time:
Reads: 4:47
